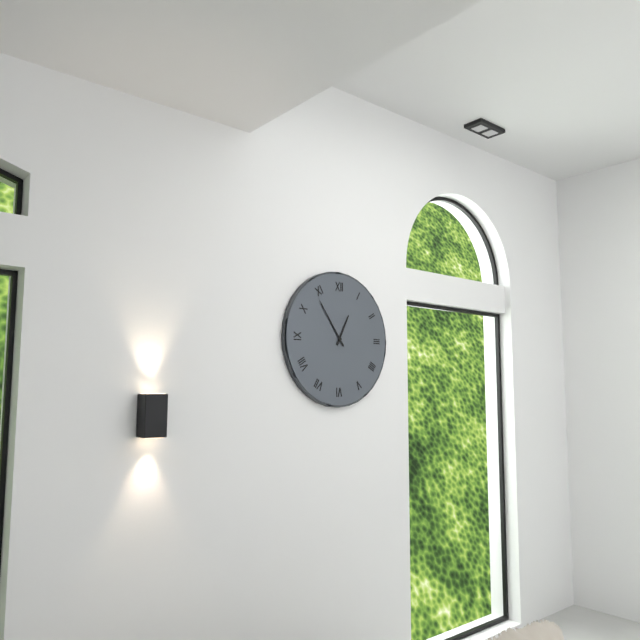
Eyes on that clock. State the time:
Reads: 12:54
